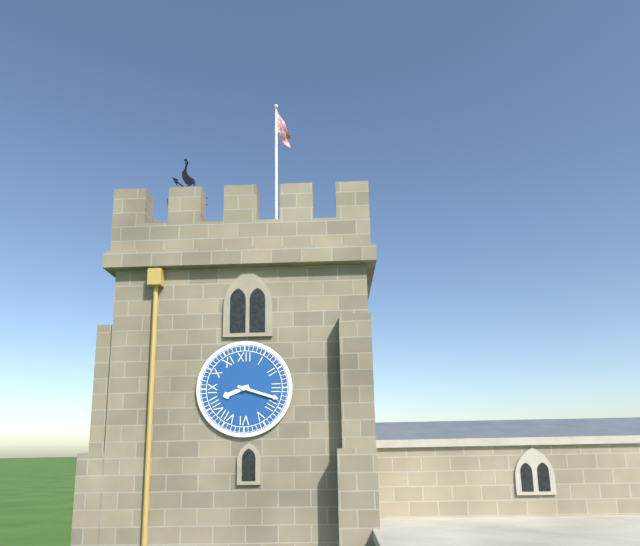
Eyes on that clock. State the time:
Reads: 8:18
